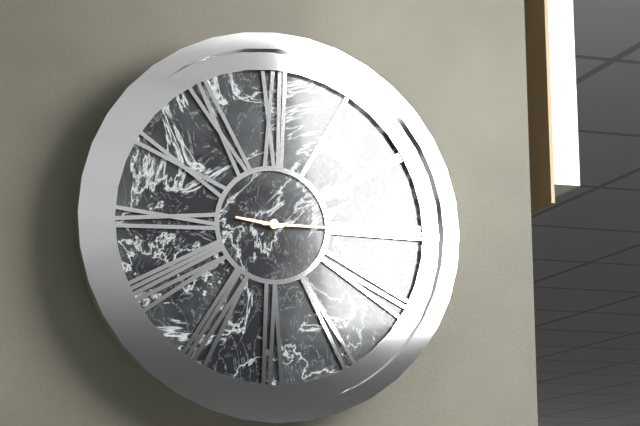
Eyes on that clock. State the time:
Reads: 9:15
